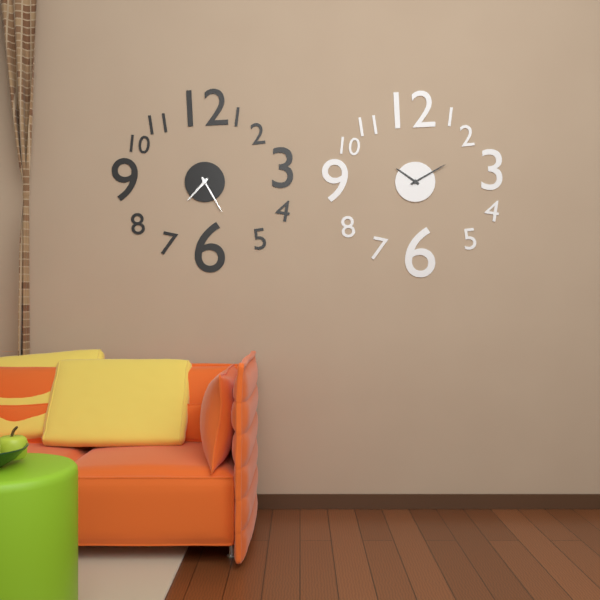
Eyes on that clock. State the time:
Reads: 7:25
